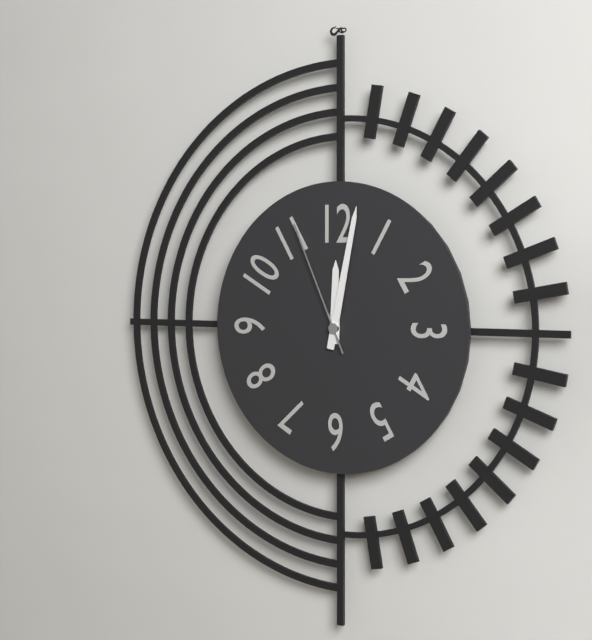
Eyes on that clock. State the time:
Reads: 12:02:56
